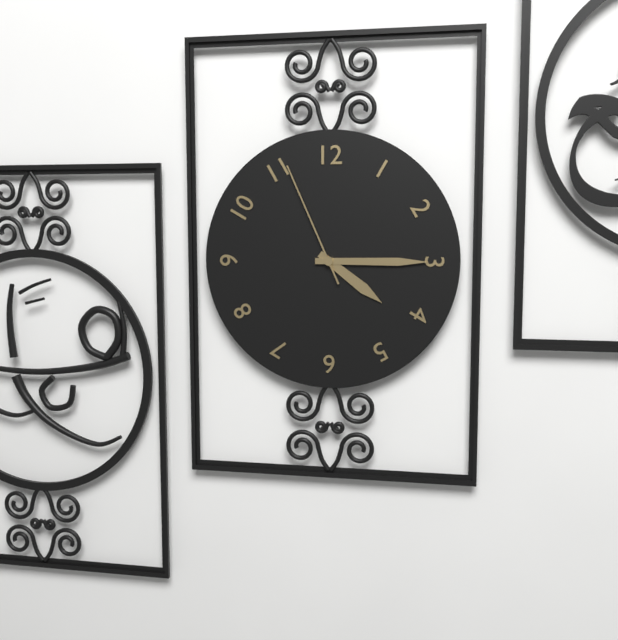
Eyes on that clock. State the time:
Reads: 4:15:56
